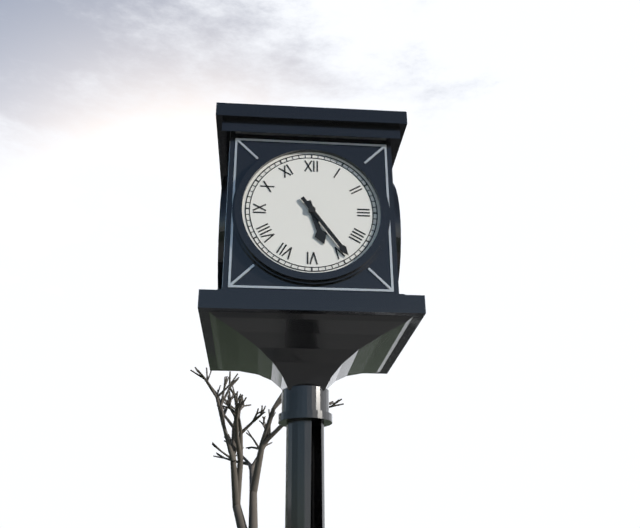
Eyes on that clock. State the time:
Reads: 5:24
